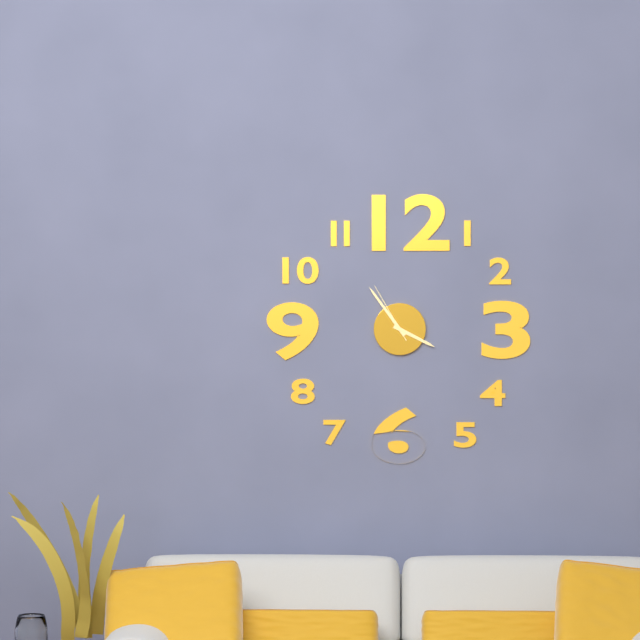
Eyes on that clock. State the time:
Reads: 3:54:55
